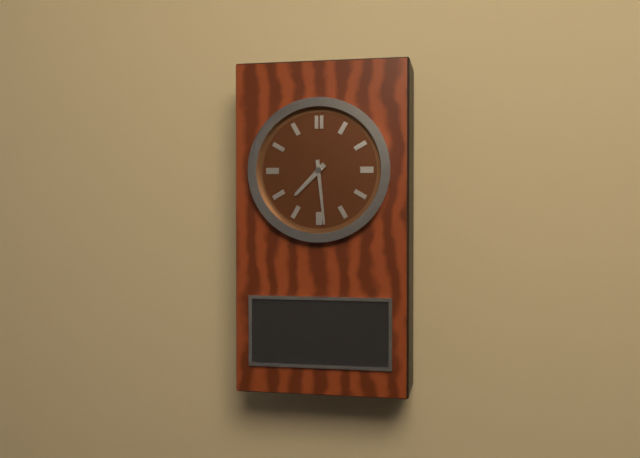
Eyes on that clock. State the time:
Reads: 7:29
